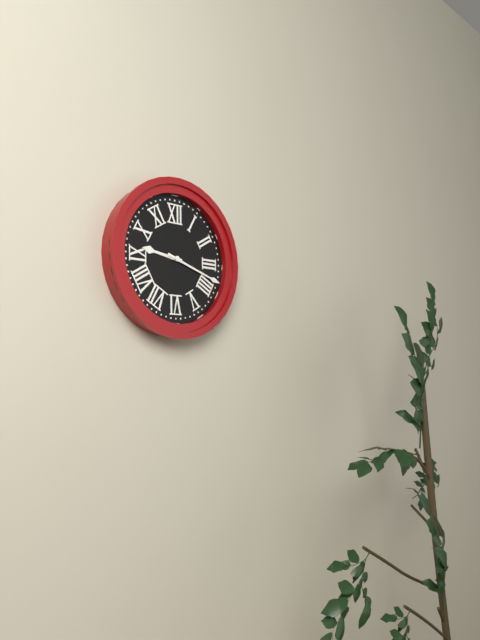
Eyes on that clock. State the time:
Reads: 9:18
